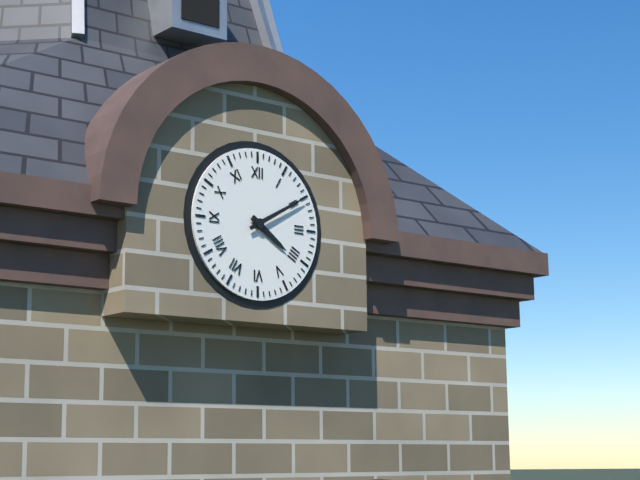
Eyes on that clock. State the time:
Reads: 4:10
